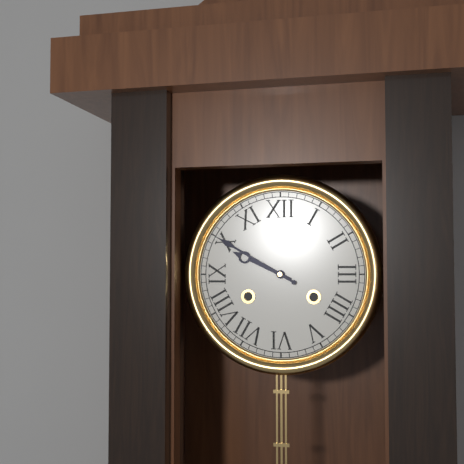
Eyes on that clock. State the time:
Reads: 9:50
